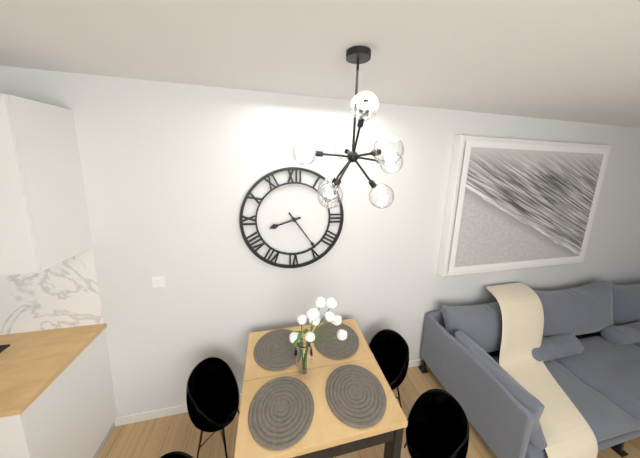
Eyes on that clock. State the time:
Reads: 8:24
